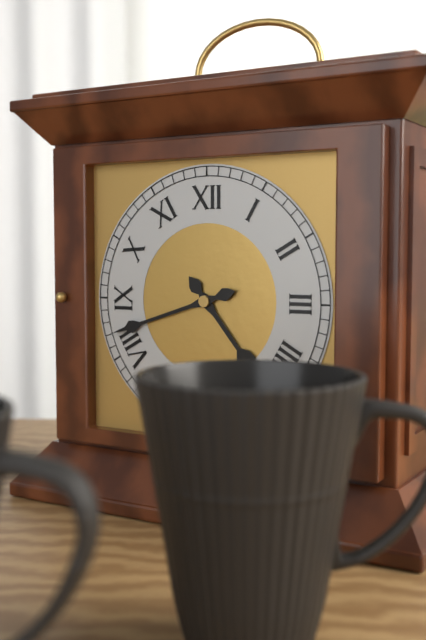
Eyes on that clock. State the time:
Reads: 4:42
